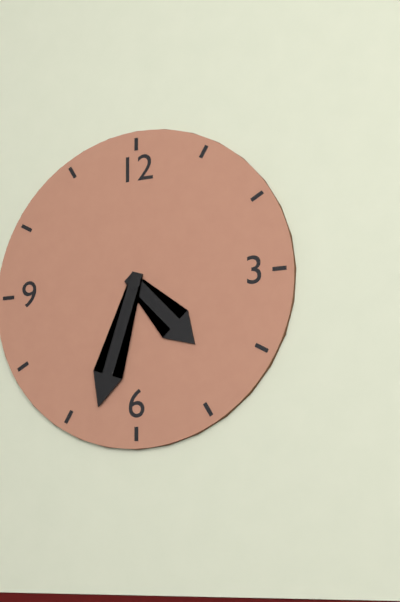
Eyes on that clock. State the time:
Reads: 4:33
